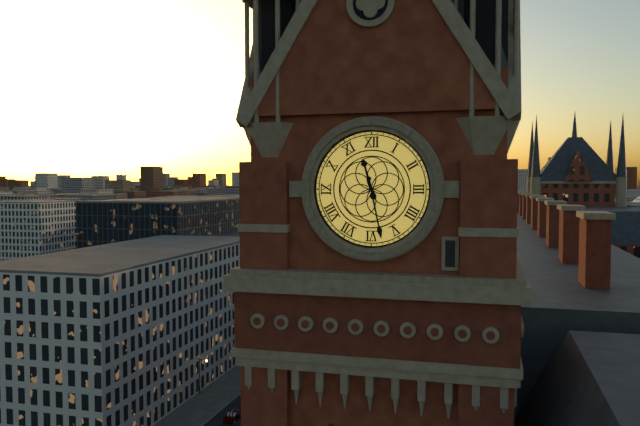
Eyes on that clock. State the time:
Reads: 11:28
